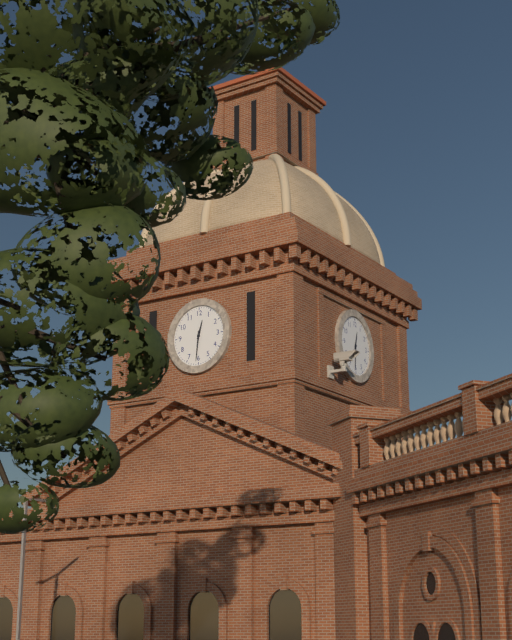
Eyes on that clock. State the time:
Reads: 12:31
